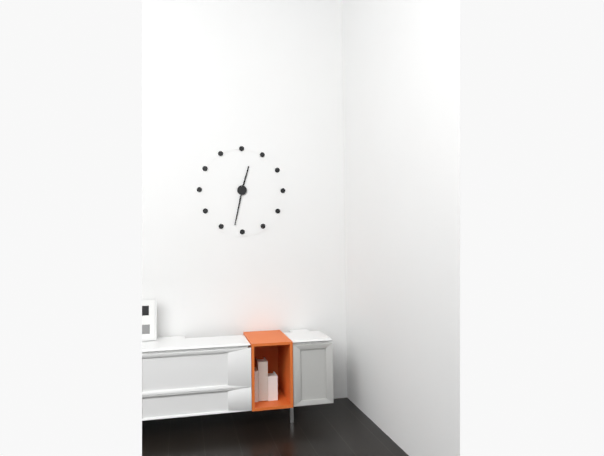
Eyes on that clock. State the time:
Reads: 12:32
